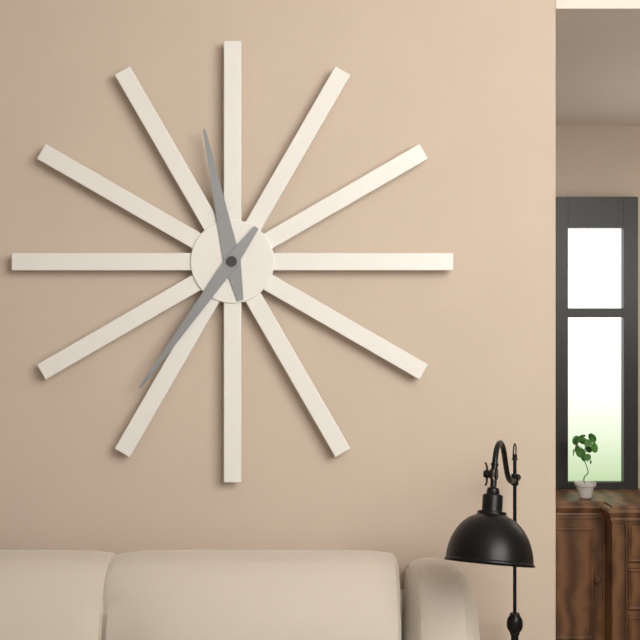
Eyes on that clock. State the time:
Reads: 11:36
